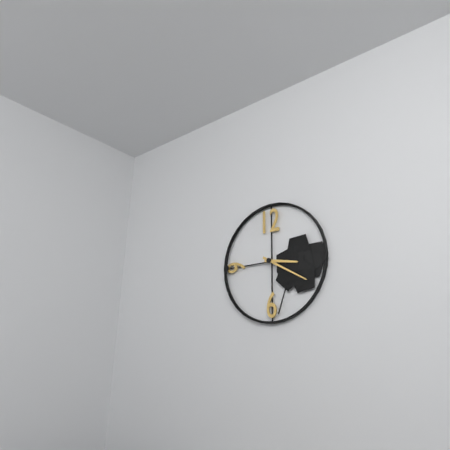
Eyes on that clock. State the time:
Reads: 3:20
